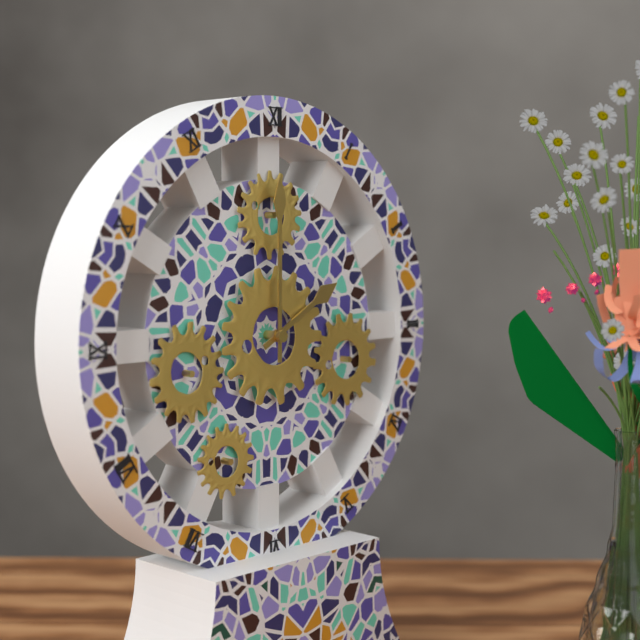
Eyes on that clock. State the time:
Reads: 2:00
